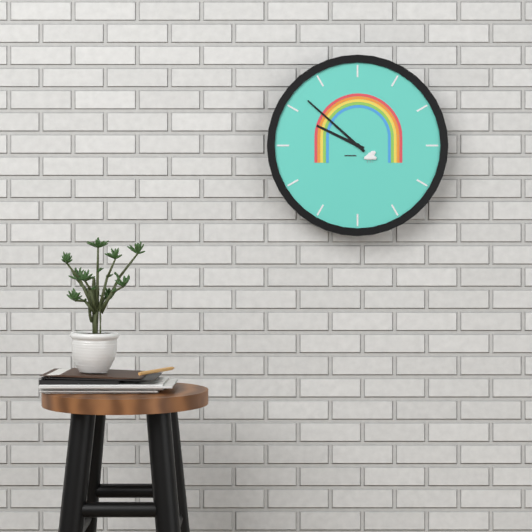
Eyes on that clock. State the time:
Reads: 9:52
